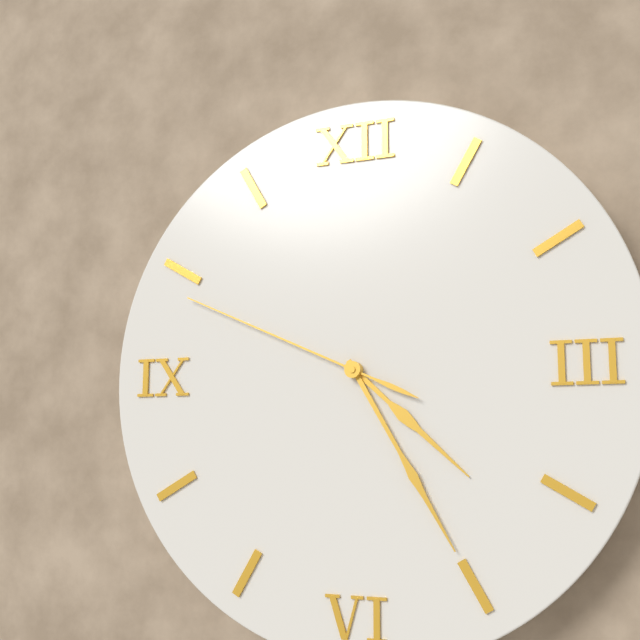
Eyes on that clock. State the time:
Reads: 4:25:49
